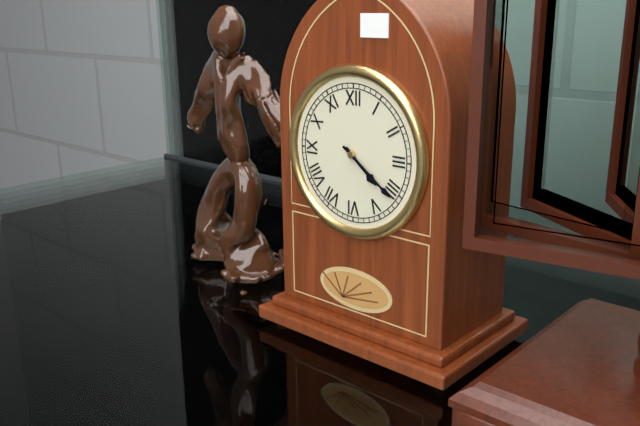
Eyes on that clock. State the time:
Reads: 4:21
